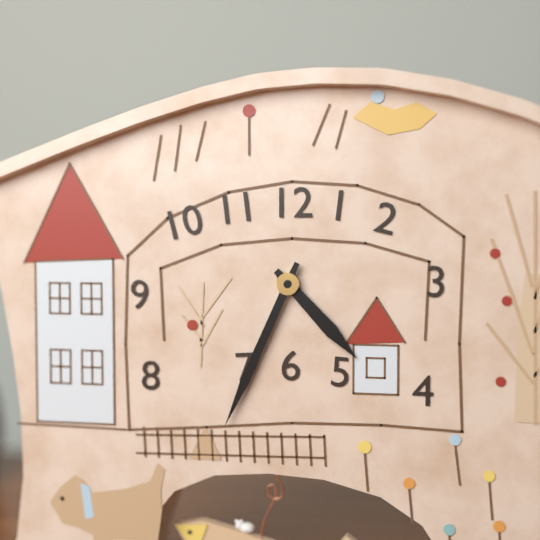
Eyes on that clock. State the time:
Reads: 4:34
